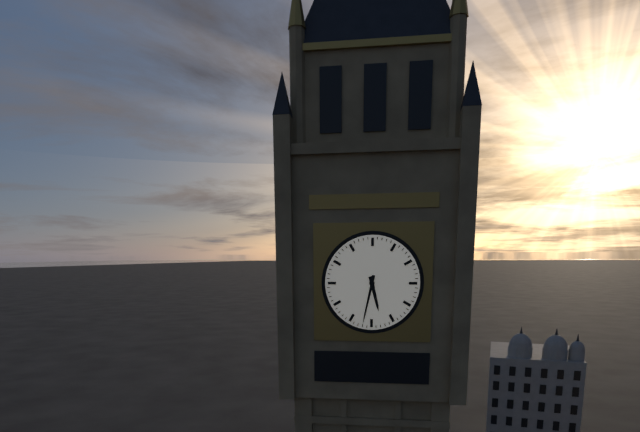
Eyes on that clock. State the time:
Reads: 5:32
